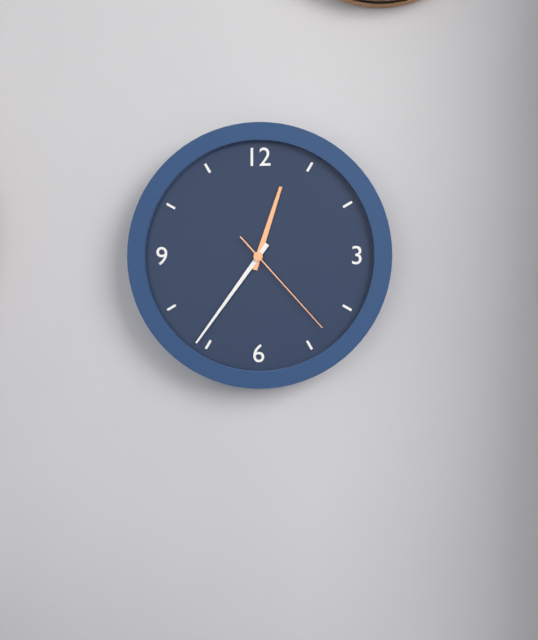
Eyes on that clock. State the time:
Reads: 12:36:23
